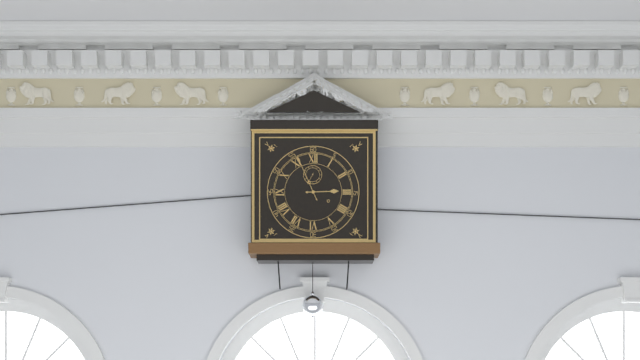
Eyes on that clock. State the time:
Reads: 2:56
